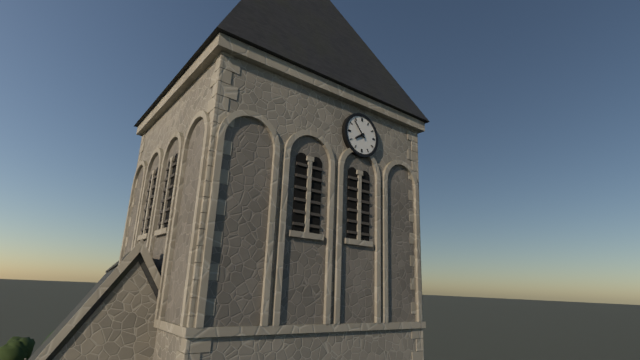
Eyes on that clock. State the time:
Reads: 7:53
